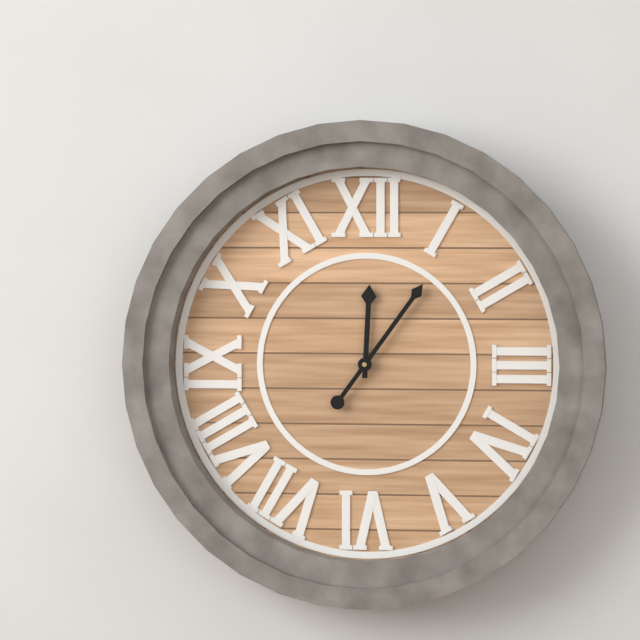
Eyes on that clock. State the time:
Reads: 12:06
